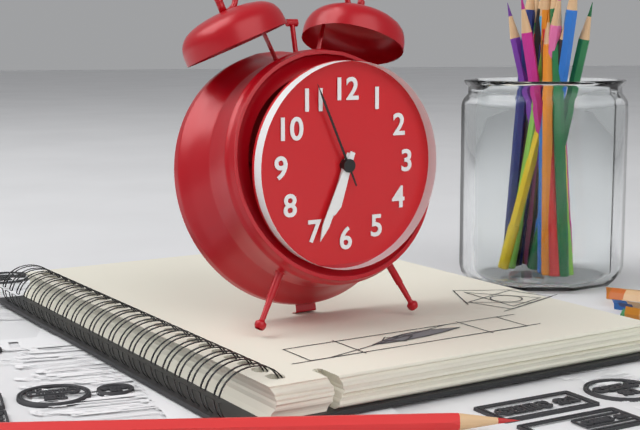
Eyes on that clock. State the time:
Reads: 6:34:56
